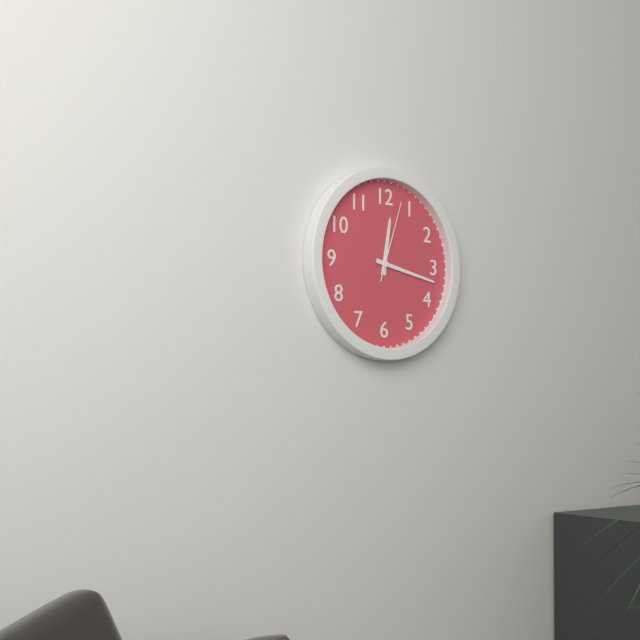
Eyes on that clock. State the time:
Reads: 12:17:03
